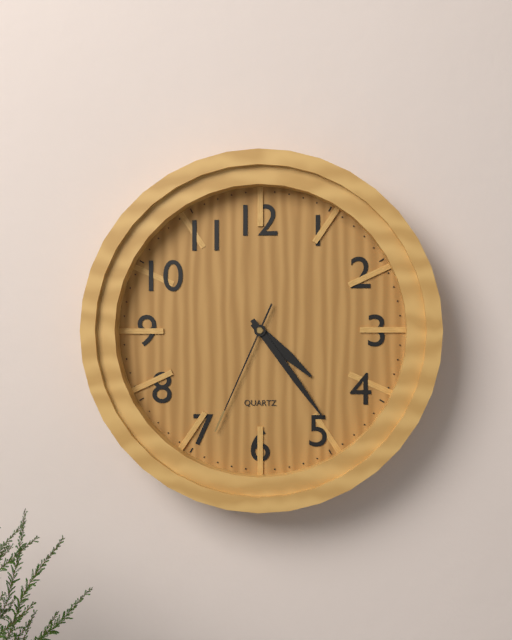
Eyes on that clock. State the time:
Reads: 4:24:34
